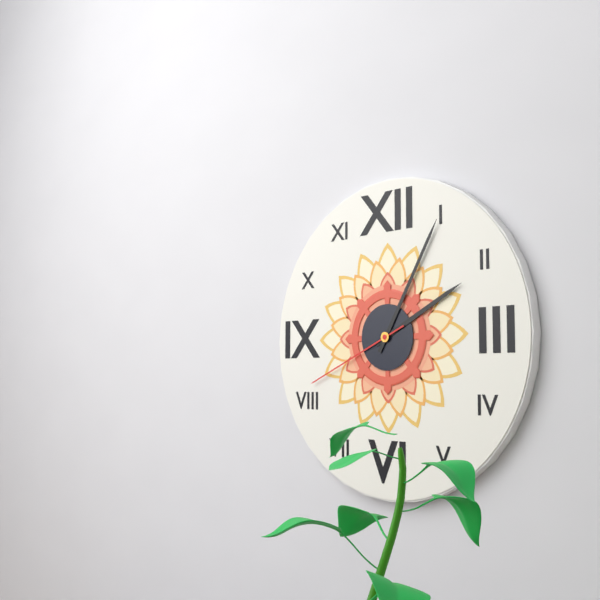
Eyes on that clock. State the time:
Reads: 2:05:41
